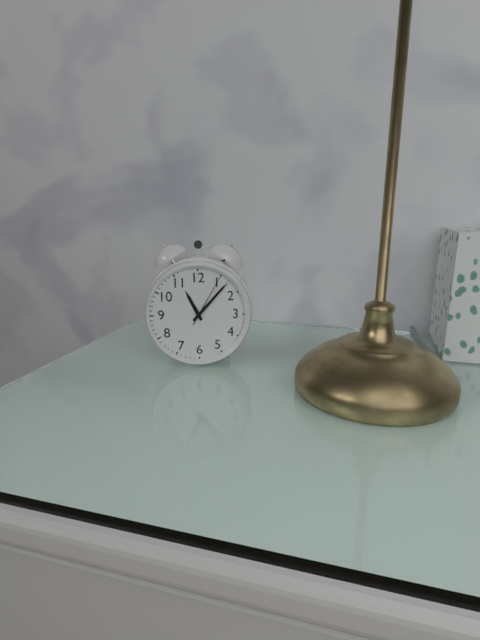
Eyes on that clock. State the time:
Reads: 11:07:05
